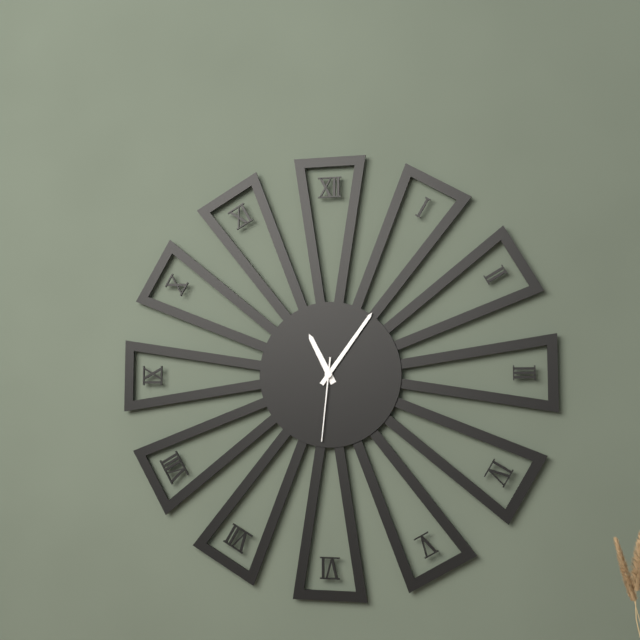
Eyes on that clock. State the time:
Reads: 11:06:31
